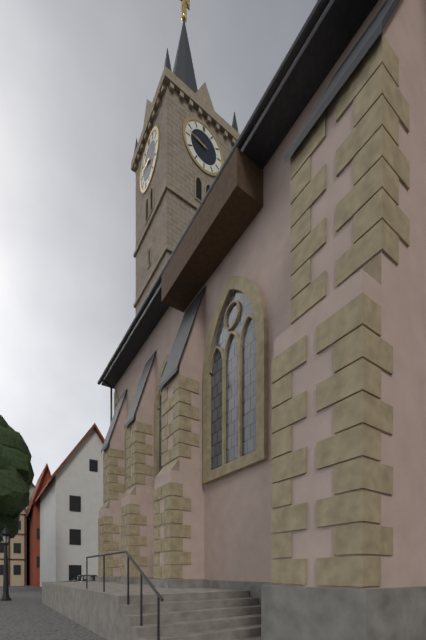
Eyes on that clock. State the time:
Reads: 9:47
